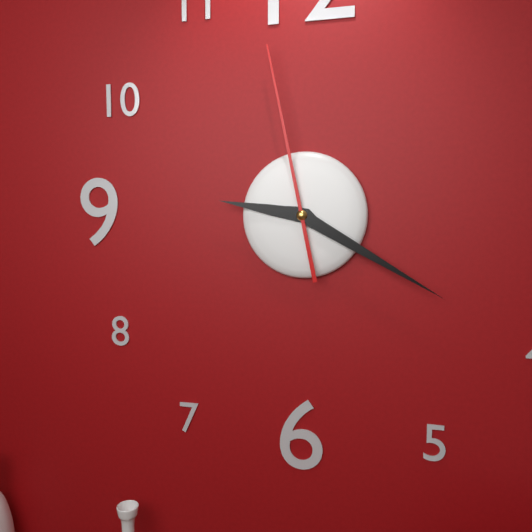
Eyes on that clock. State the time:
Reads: 9:20:58
